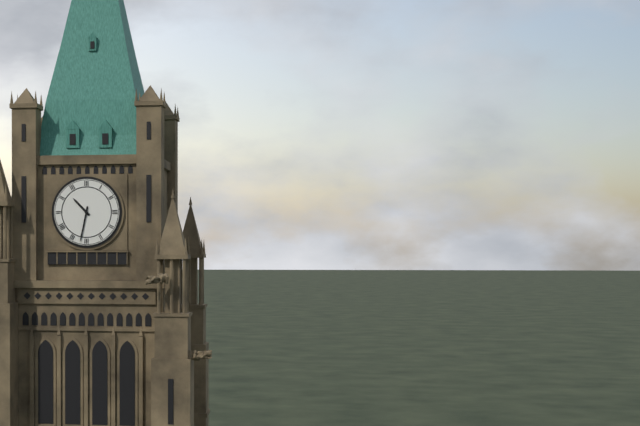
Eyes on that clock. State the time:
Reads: 10:32
